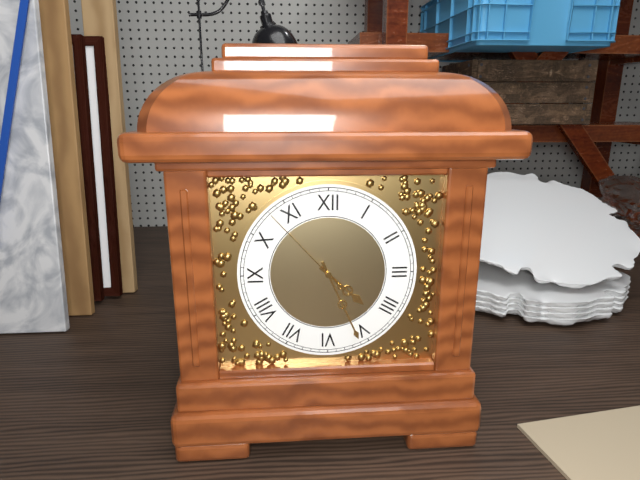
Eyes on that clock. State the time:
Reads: 4:26:53
